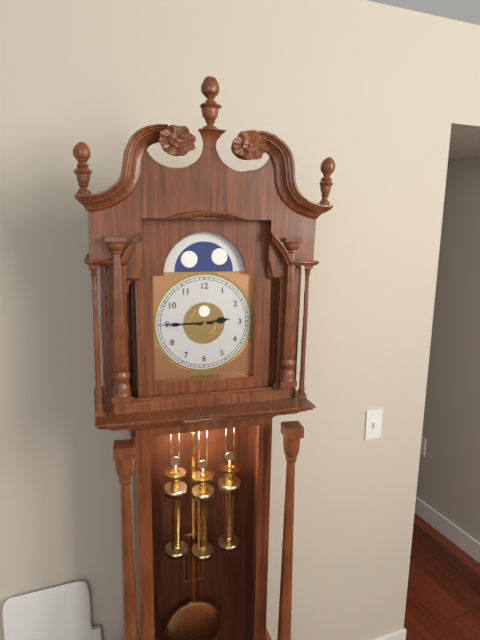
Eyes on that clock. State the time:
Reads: 2:45
